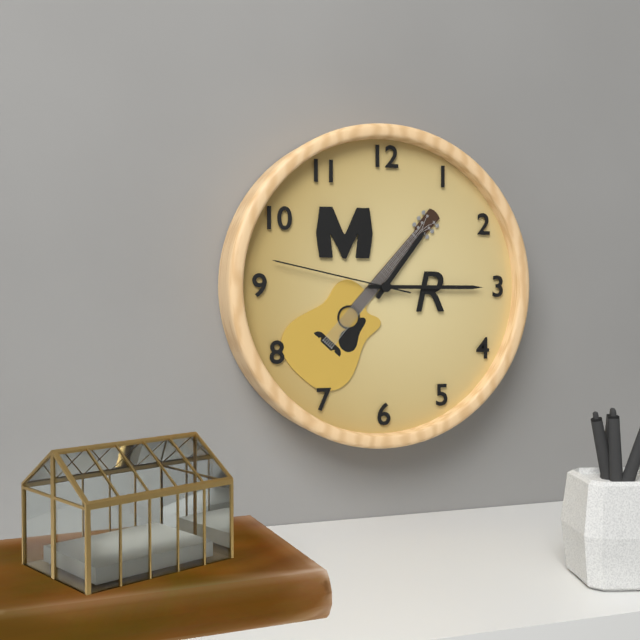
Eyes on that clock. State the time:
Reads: 1:15:47
